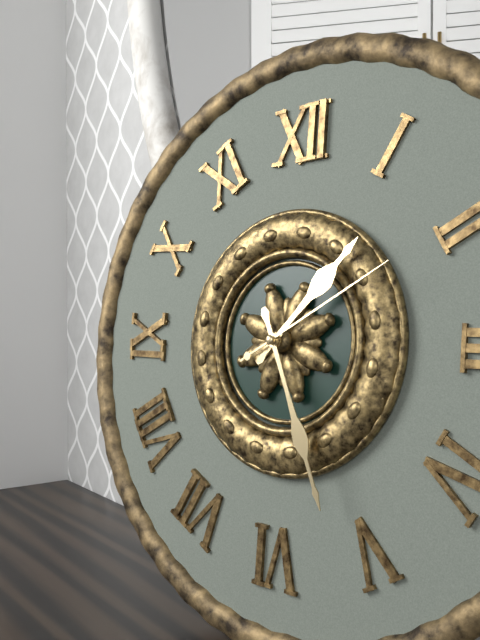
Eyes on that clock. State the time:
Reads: 1:26:10
